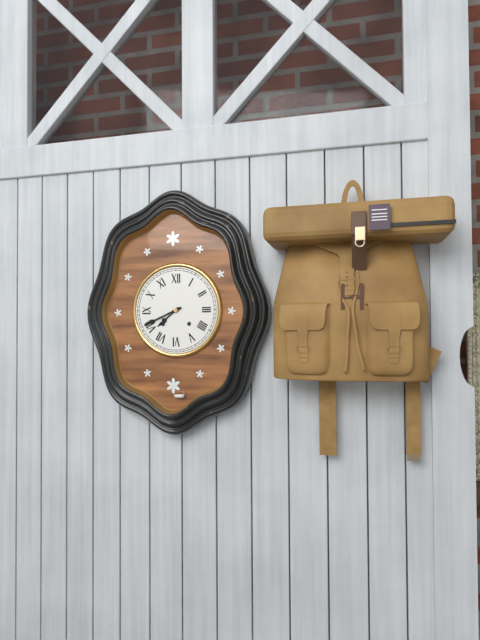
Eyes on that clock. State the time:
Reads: 7:41
